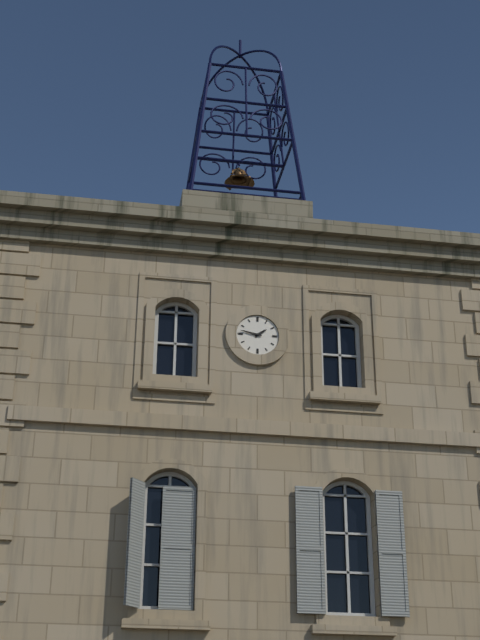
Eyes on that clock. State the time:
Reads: 1:47
